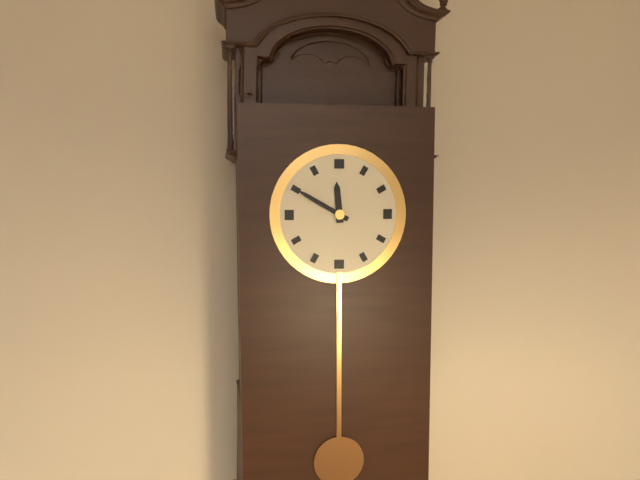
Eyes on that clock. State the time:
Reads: 11:50
